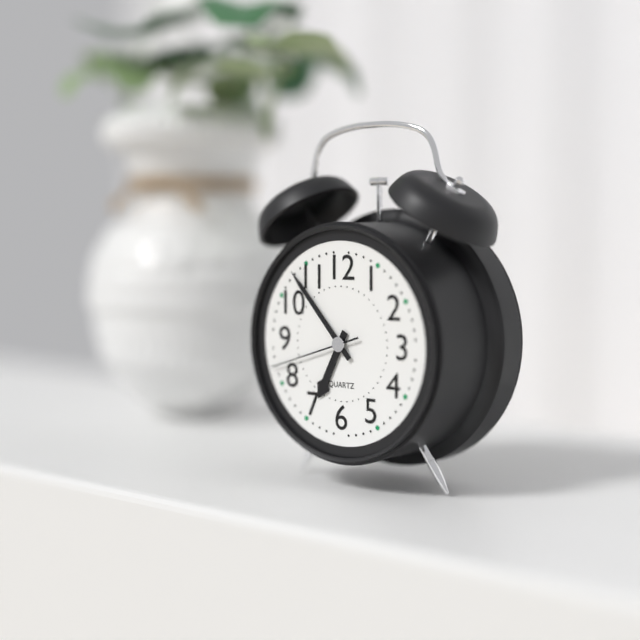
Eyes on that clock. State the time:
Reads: 6:53:42
